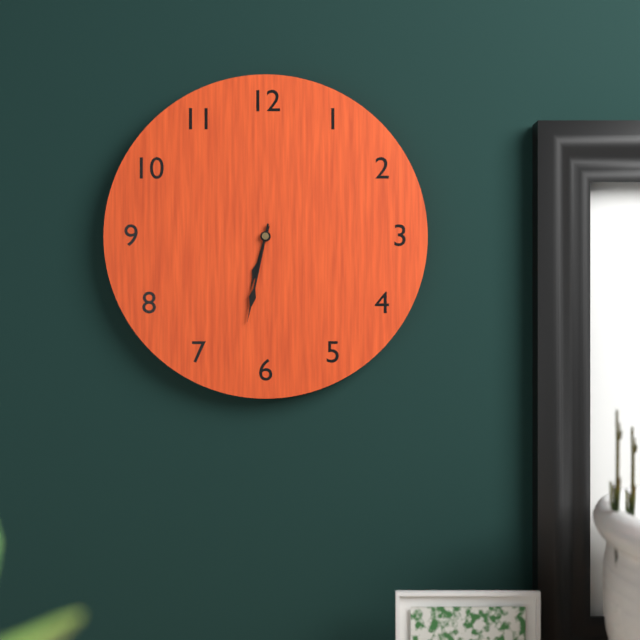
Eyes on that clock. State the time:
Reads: 6:32
